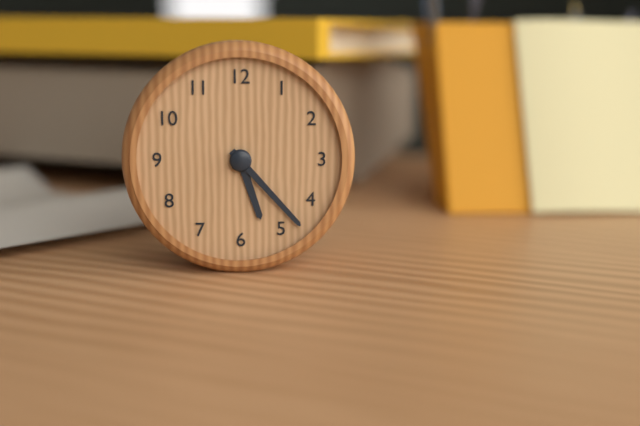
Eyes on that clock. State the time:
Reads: 5:23
